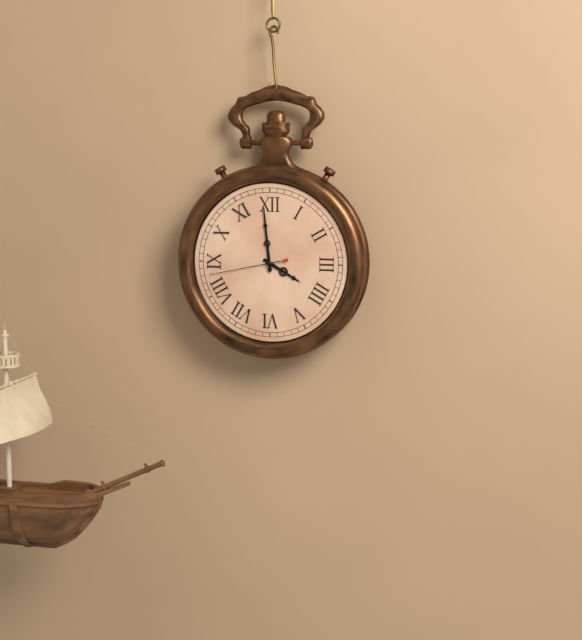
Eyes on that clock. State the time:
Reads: 3:59:43
